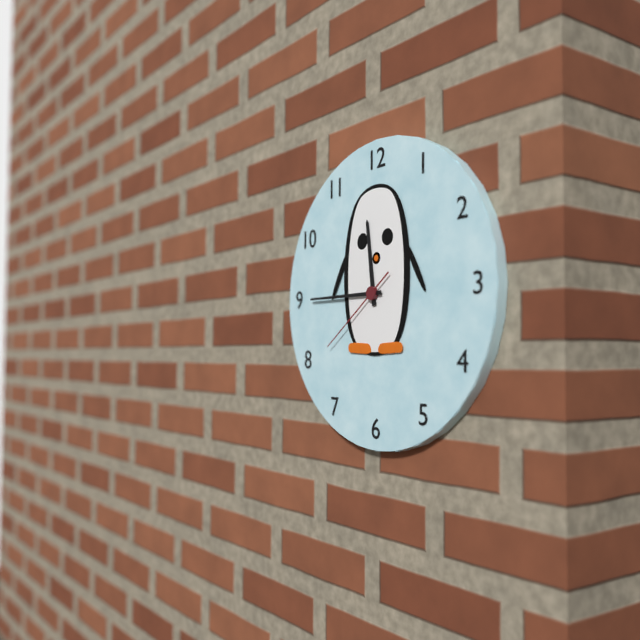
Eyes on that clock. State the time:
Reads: 11:45:39
